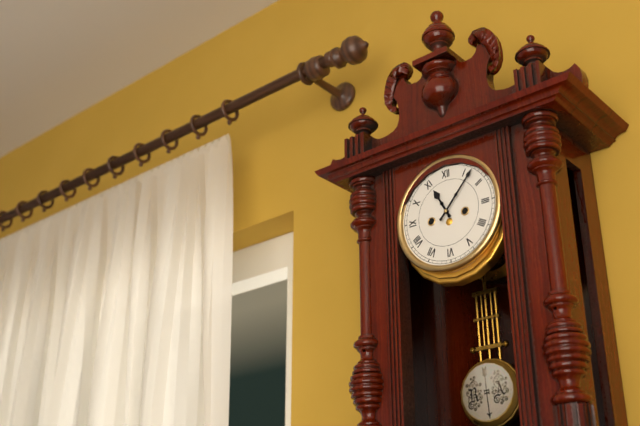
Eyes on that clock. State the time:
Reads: 11:07
